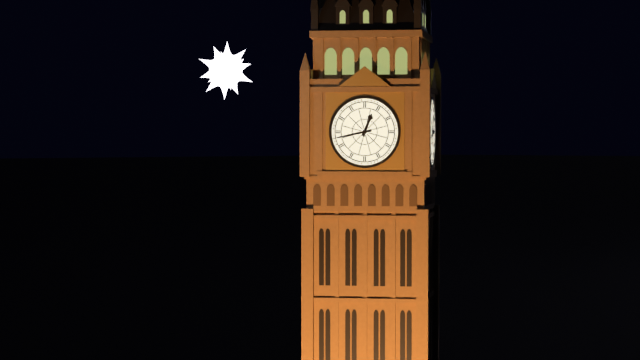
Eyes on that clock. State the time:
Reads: 12:43
